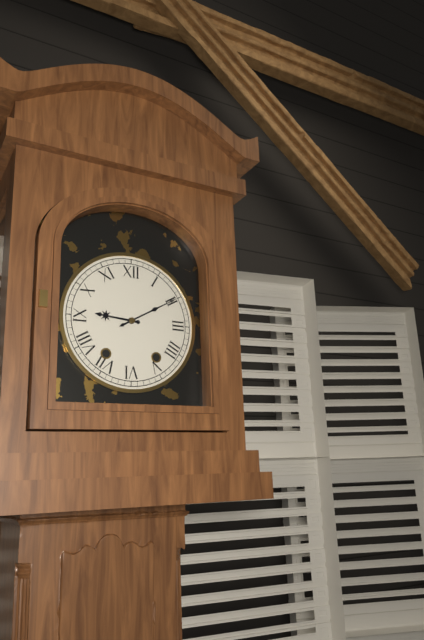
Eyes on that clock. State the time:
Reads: 9:10
